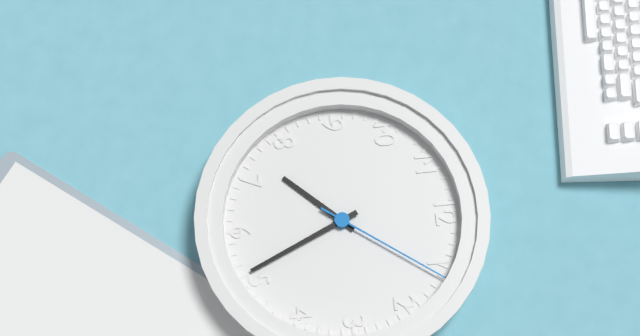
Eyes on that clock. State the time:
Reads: 7:26:06
